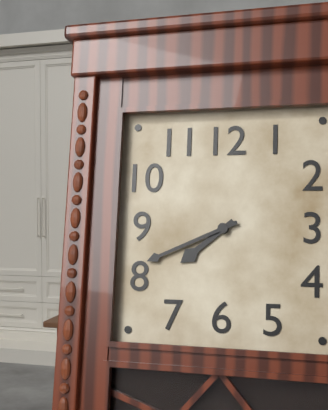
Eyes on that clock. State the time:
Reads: 7:41
